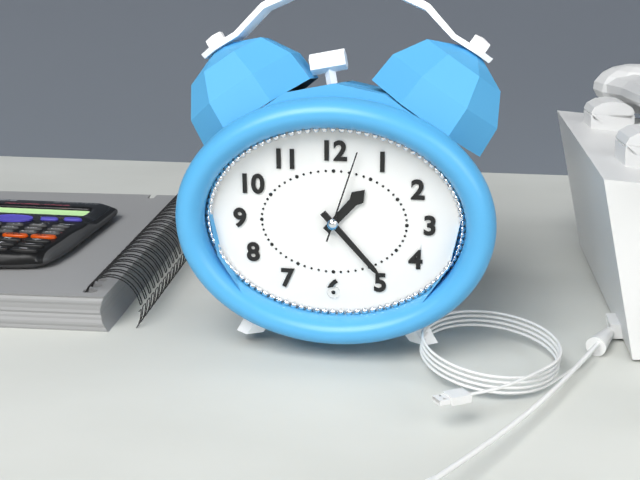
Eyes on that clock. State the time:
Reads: 1:23:03
